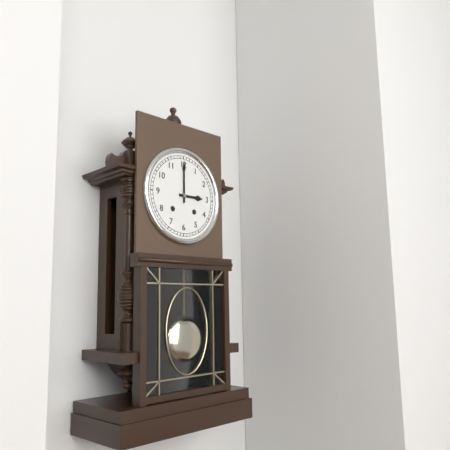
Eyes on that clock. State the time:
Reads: 3:00
